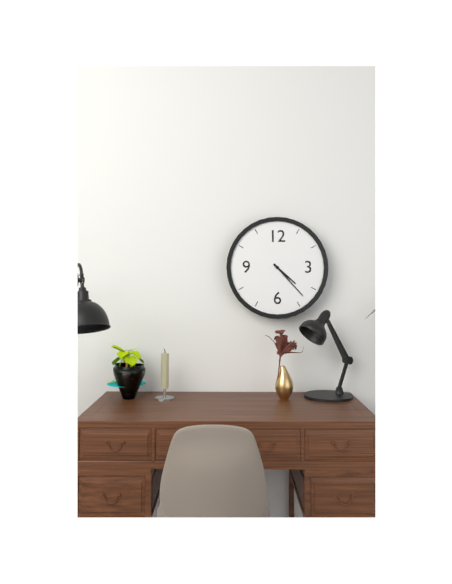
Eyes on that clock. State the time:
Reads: 4:23
